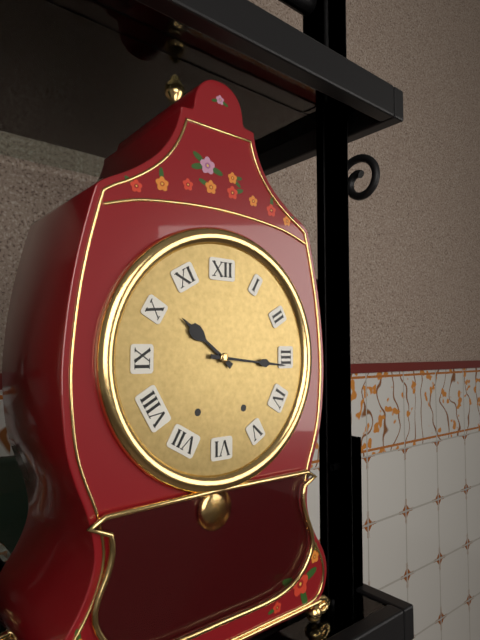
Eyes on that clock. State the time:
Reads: 10:16
